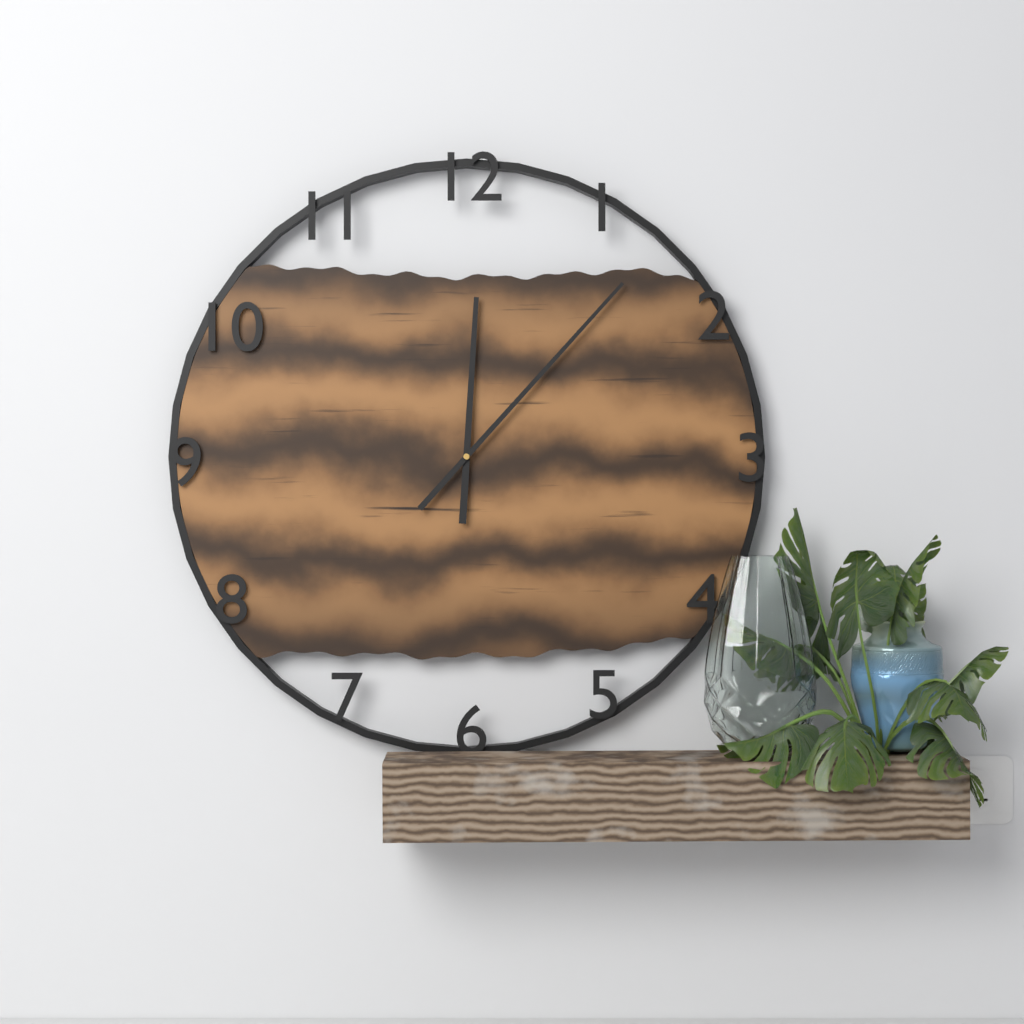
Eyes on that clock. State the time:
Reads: 12:07
